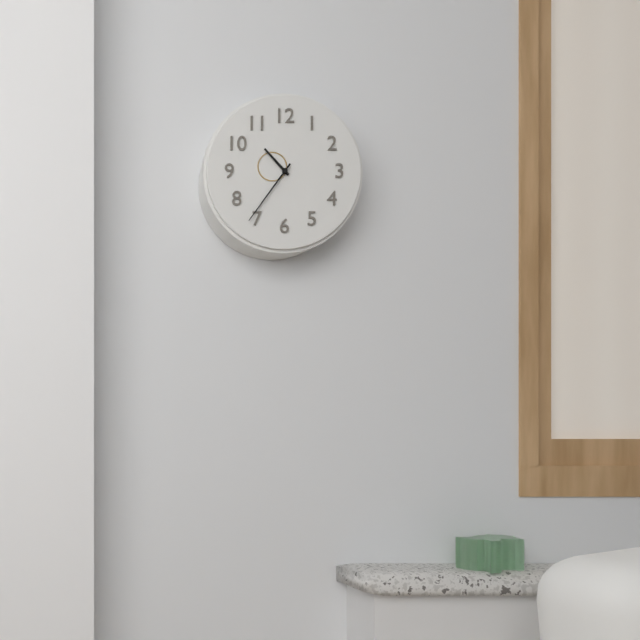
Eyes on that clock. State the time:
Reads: 10:36
